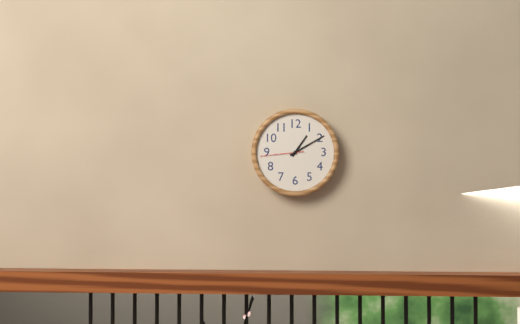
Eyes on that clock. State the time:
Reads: 1:10
